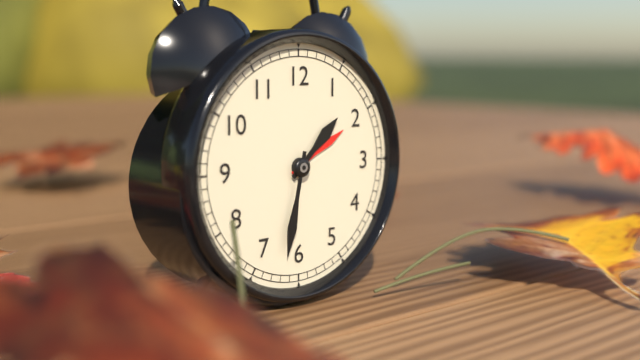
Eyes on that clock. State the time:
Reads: 1:32
